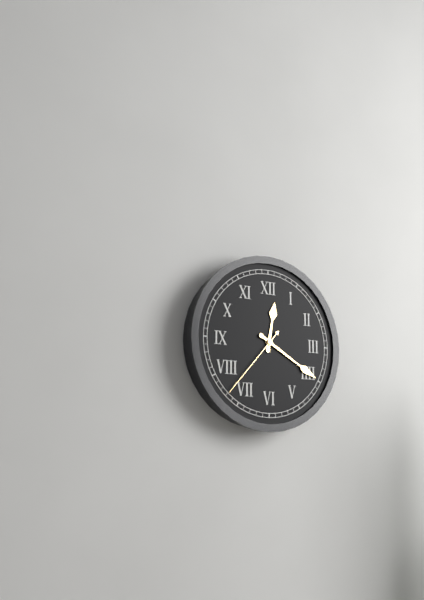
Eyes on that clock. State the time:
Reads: 12:20:37
